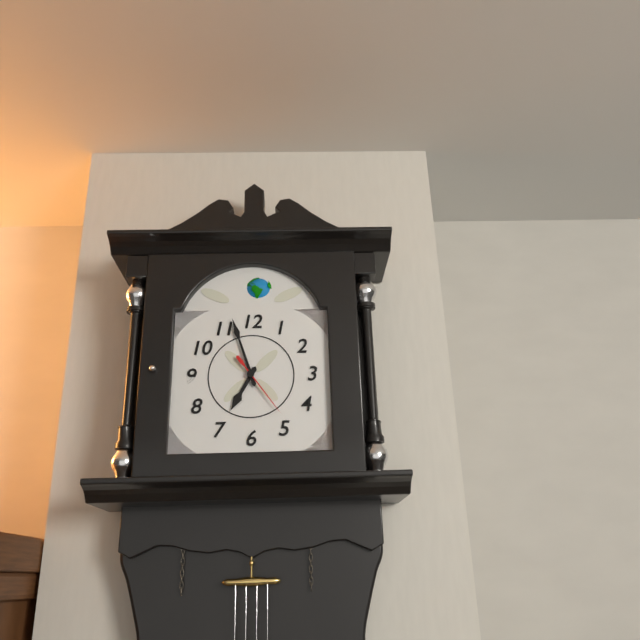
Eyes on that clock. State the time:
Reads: 6:57:24
